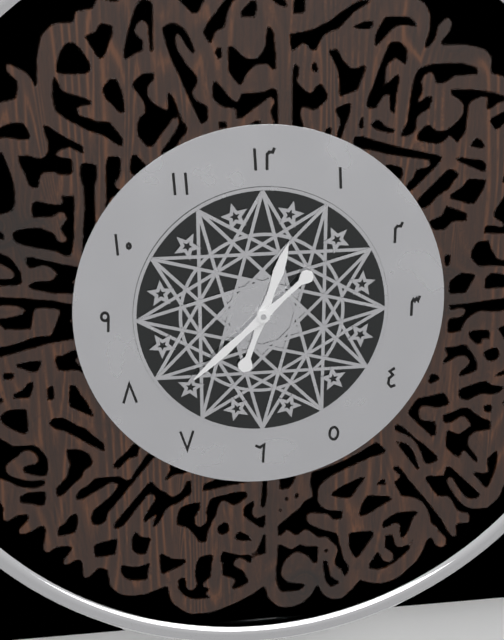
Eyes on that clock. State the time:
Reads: 12:38
